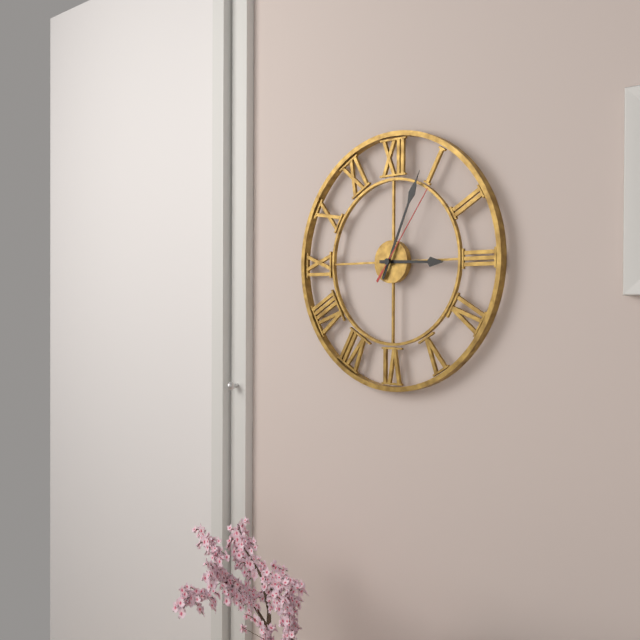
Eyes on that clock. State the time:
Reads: 3:04:06
